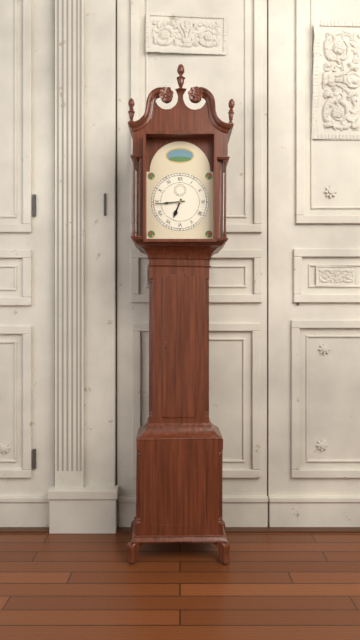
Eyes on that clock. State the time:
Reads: 6:44
